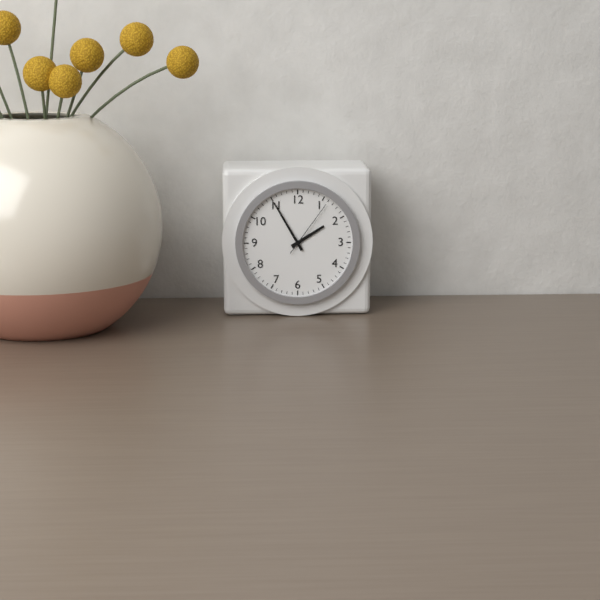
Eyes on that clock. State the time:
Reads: 1:55:06
